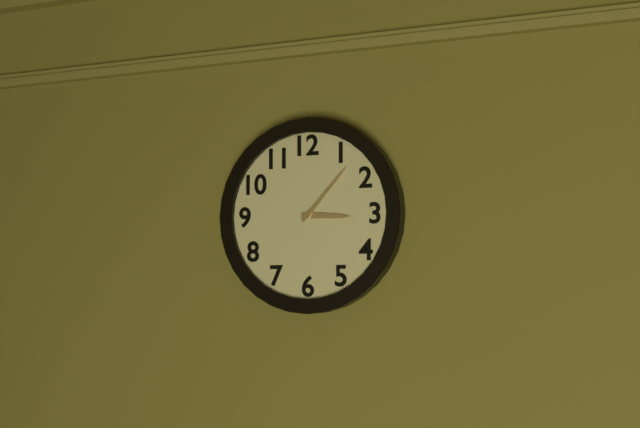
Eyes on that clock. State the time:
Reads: 3:07
